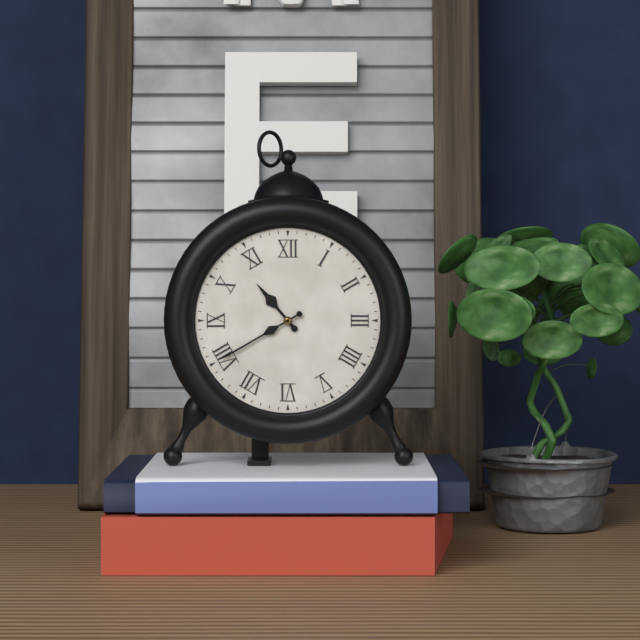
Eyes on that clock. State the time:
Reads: 10:40
